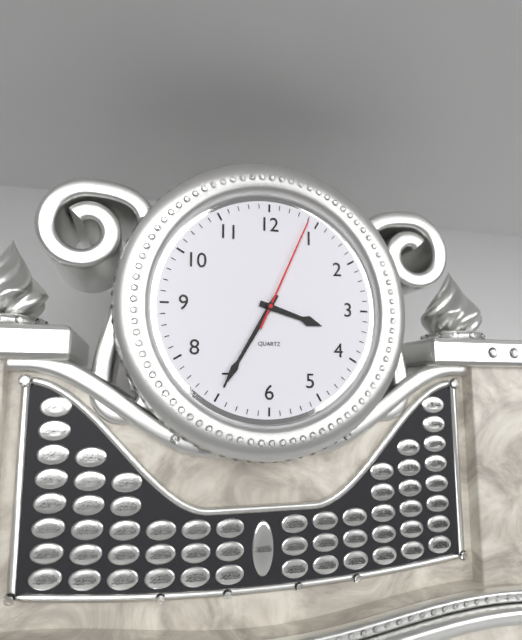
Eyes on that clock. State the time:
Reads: 3:35:04
